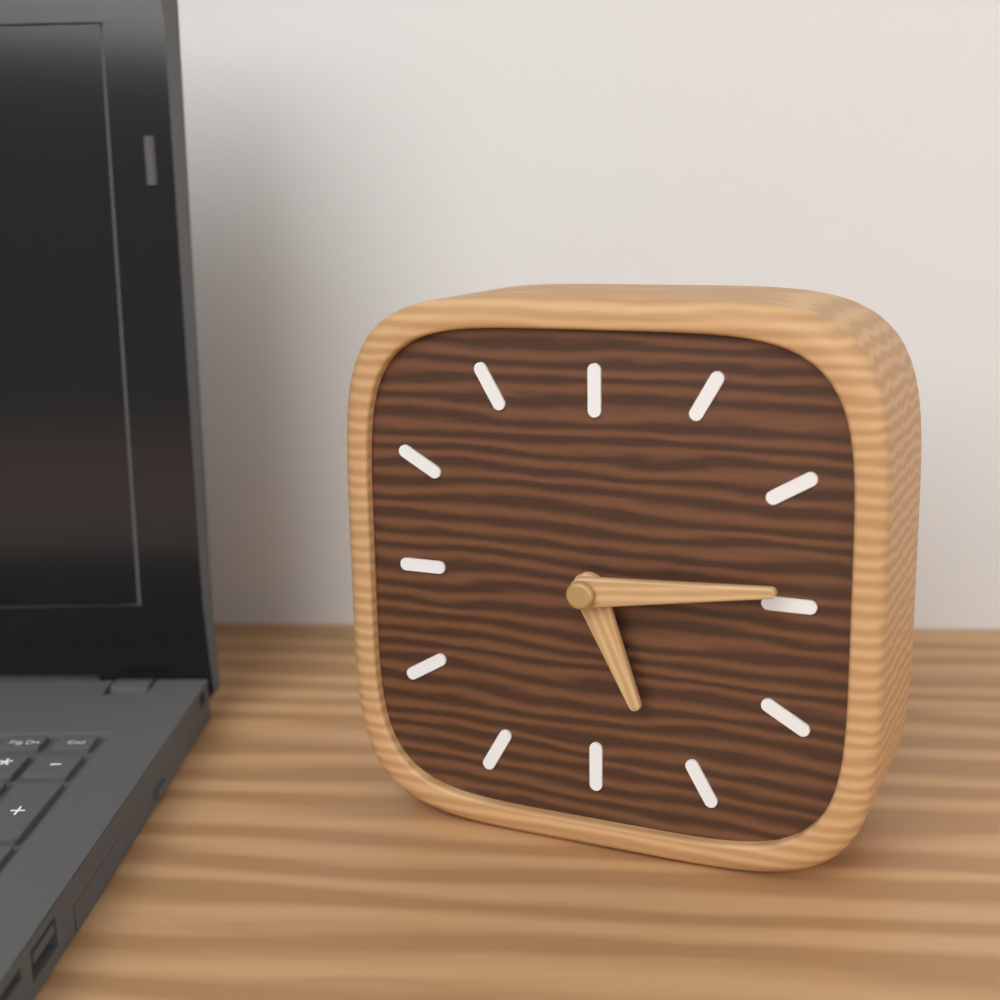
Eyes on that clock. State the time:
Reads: 5:14
